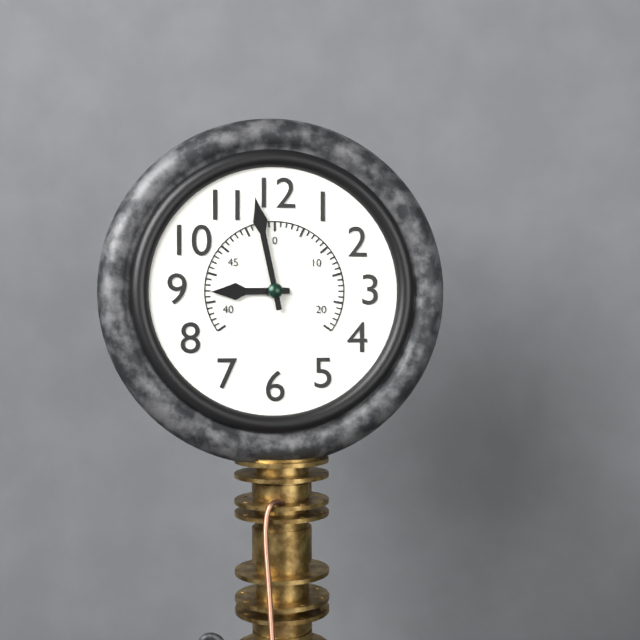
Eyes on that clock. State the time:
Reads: 8:58
